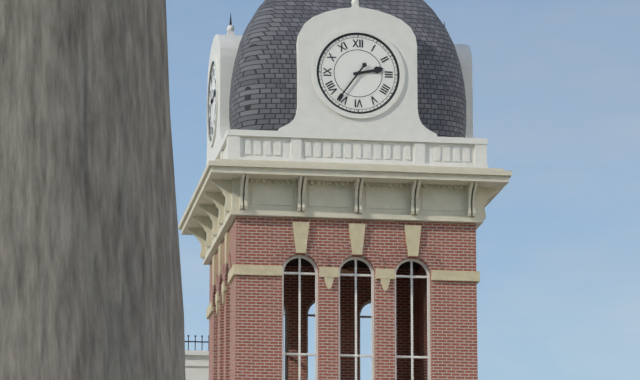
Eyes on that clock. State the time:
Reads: 2:36
